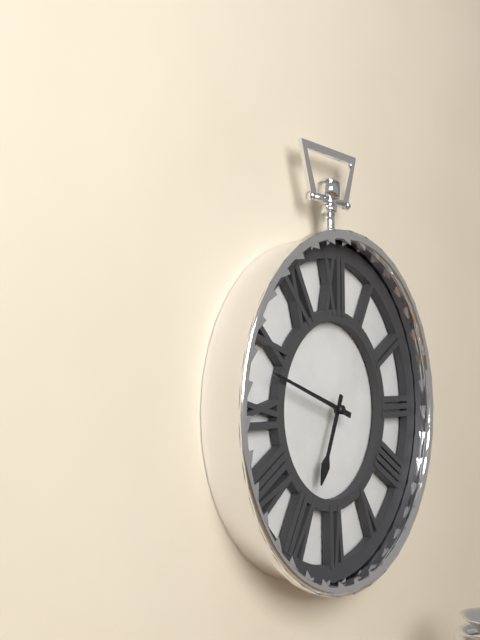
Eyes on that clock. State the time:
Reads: 6:48
